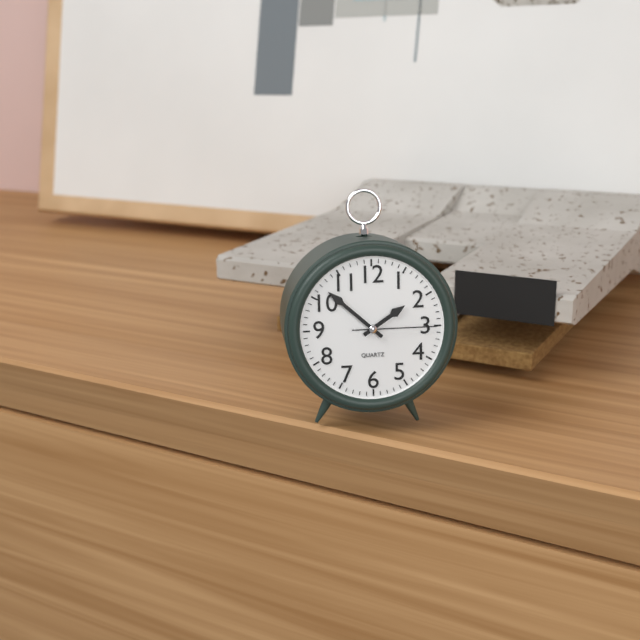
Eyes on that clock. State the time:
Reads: 1:52:15
